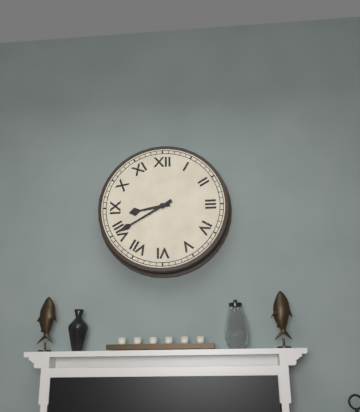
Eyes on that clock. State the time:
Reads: 8:40
